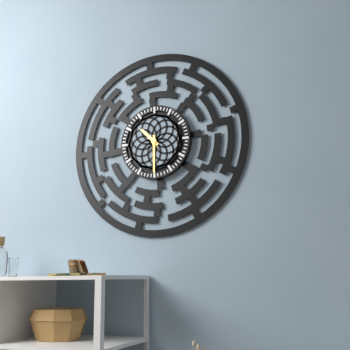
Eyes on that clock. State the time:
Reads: 10:30
